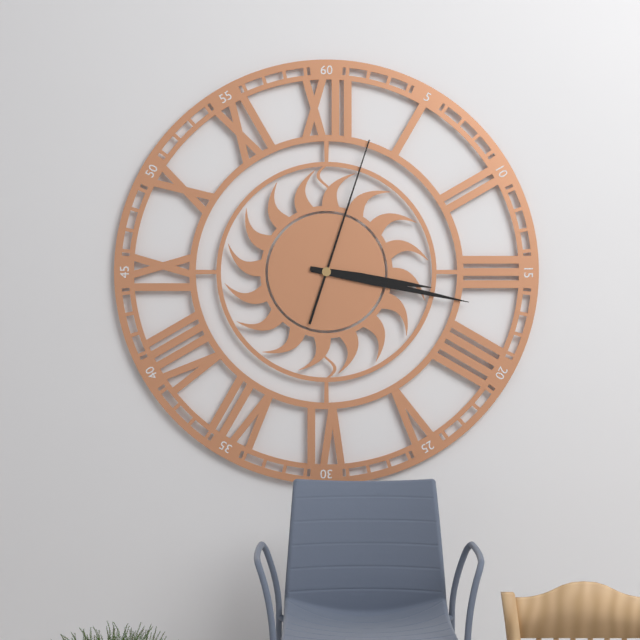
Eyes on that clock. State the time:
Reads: 3:17:03
